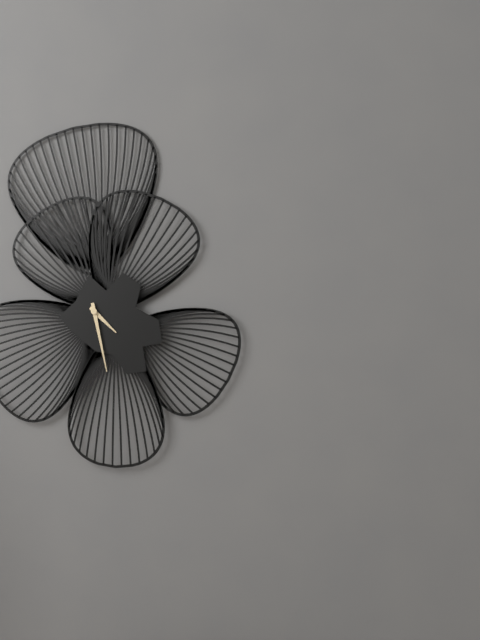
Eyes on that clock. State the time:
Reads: 4:28
